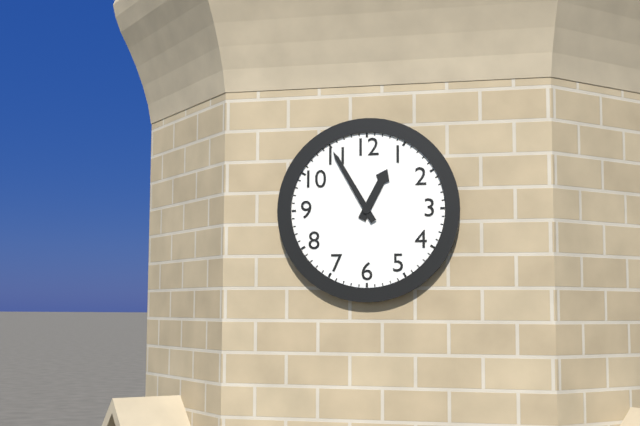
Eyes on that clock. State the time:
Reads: 12:55
